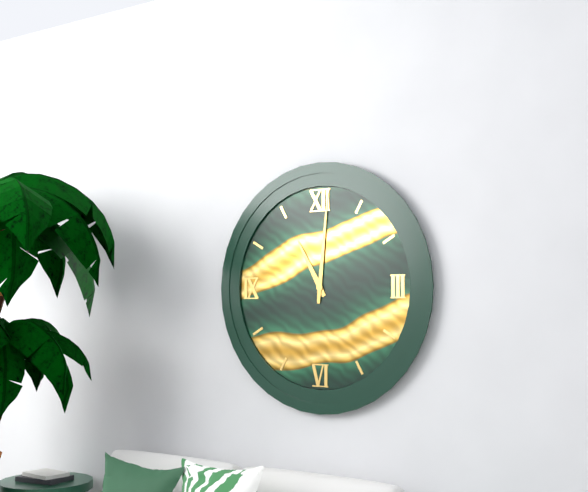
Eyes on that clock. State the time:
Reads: 11:01
